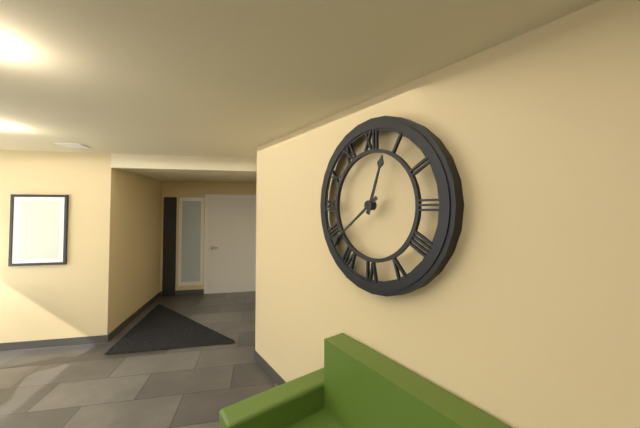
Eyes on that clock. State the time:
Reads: 12:39
